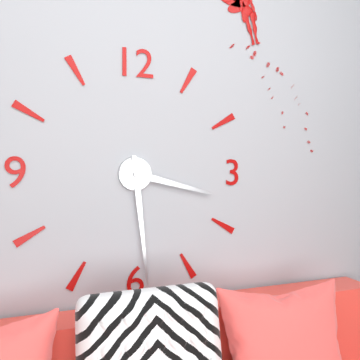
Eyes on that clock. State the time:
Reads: 3:29
